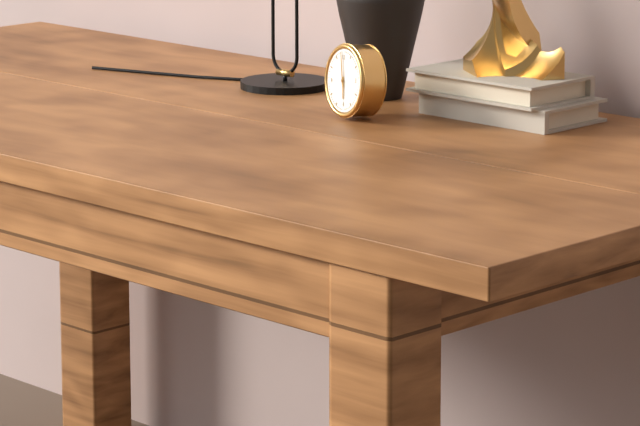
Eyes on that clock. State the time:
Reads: 5:59
